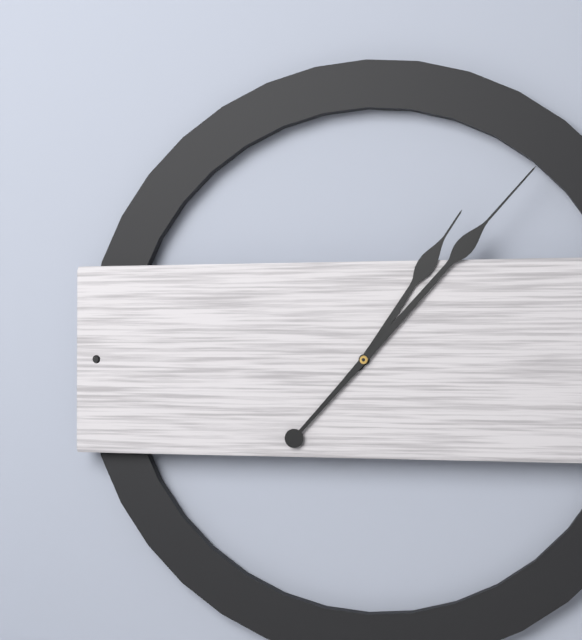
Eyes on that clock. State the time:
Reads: 1:07
